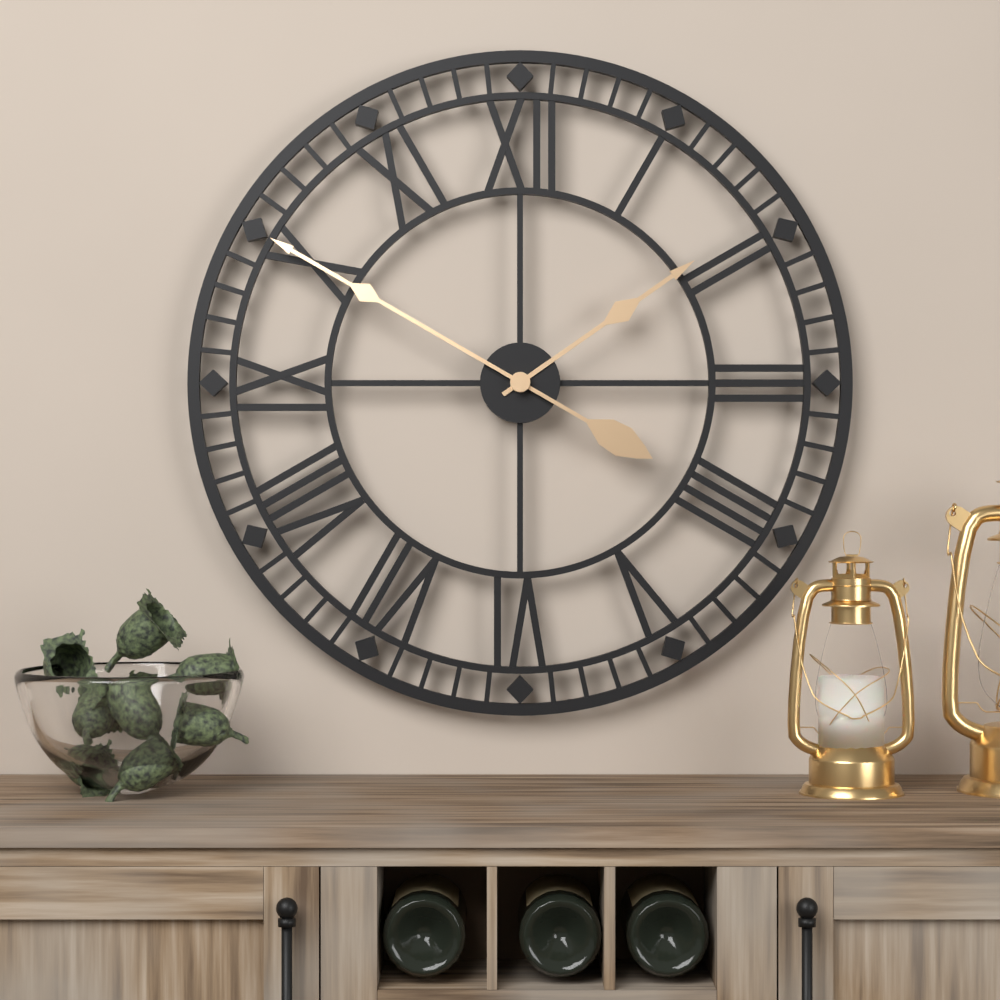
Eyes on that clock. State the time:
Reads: 1:50
